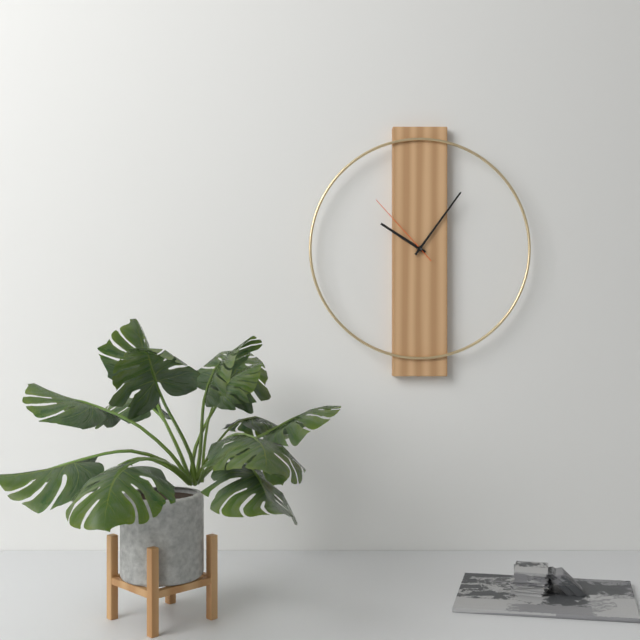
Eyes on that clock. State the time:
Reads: 10:06:53
